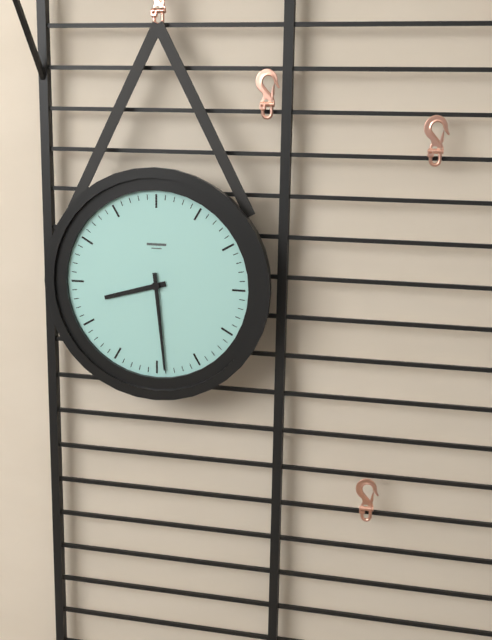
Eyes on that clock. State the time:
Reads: 8:29
